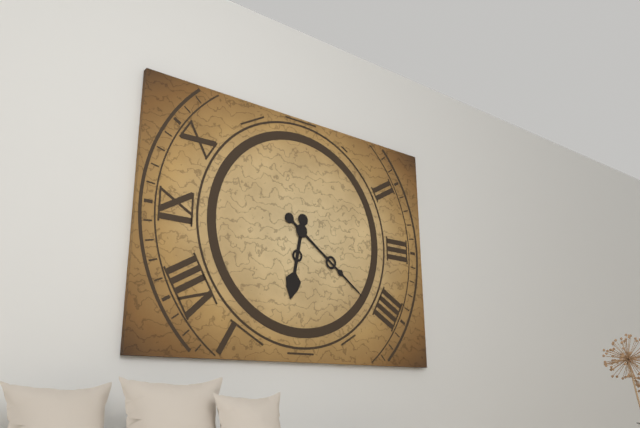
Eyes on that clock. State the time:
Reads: 6:21
